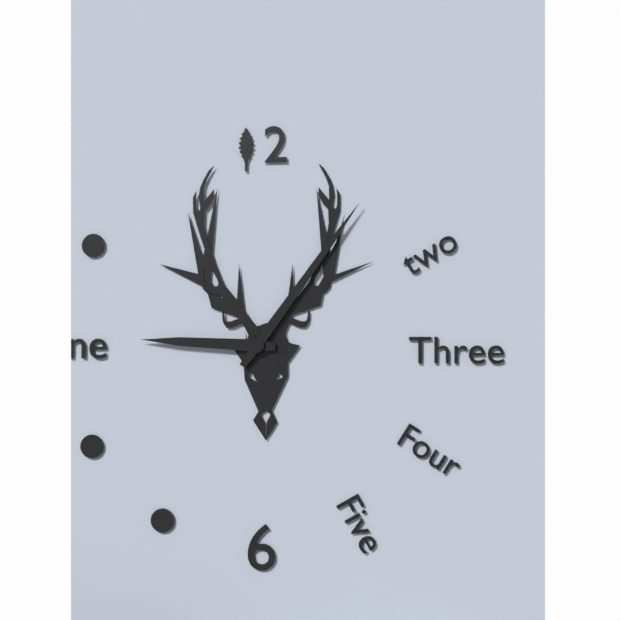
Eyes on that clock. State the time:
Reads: 9:06
